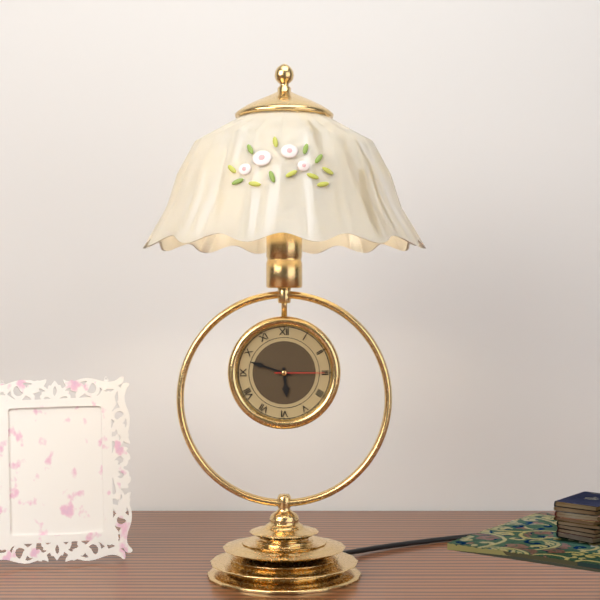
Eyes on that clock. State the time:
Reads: 5:48:15
